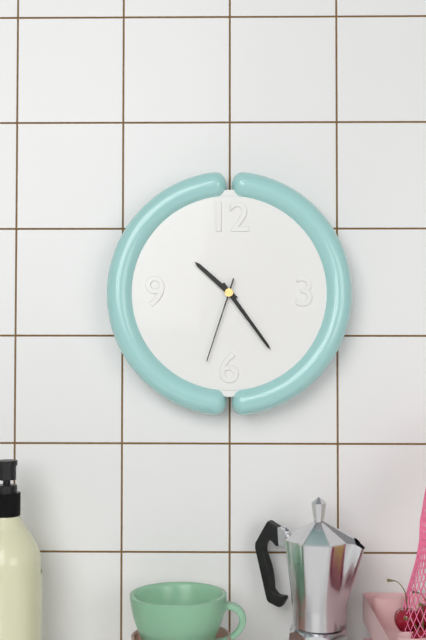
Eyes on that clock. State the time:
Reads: 10:24:33
